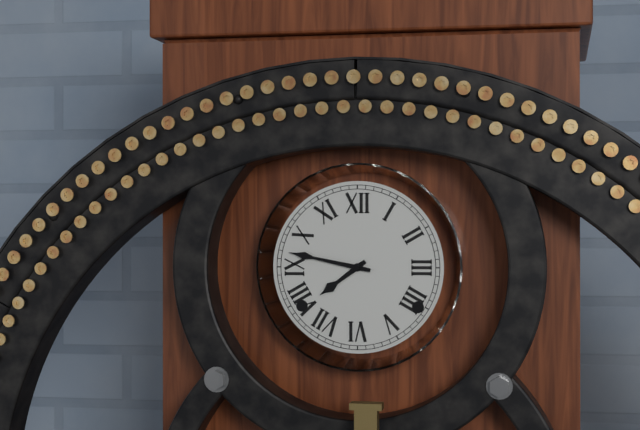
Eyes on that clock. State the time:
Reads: 7:47
